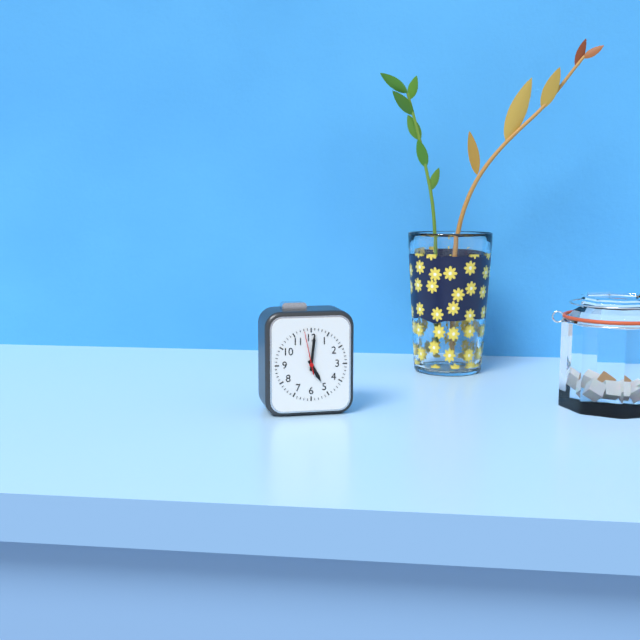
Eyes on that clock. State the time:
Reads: 5:01
